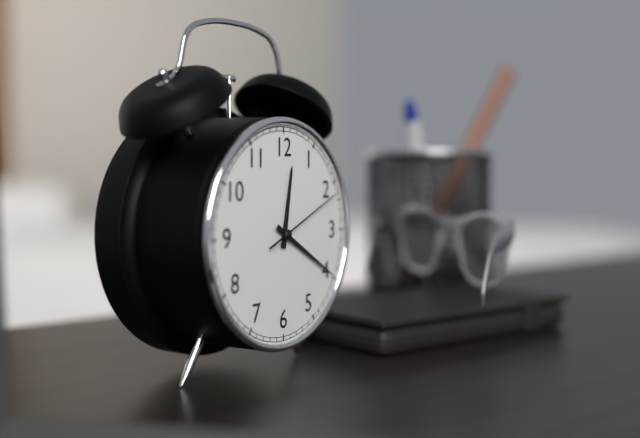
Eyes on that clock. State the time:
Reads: 12:20:11
